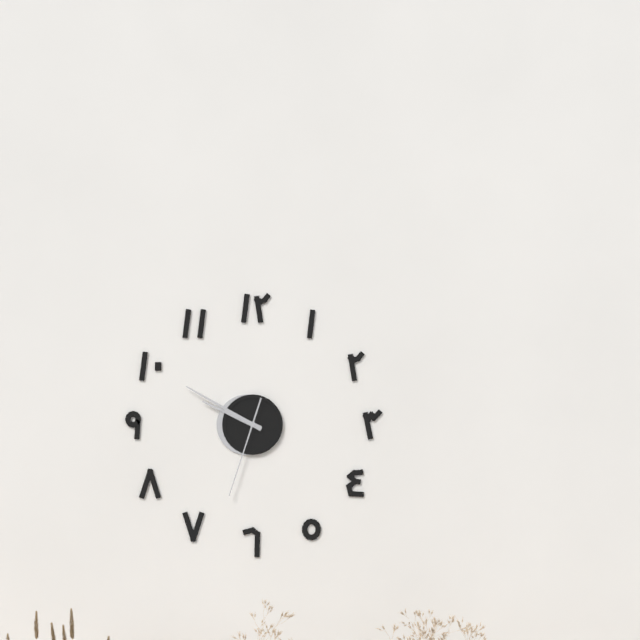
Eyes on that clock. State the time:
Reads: 9:50:33
